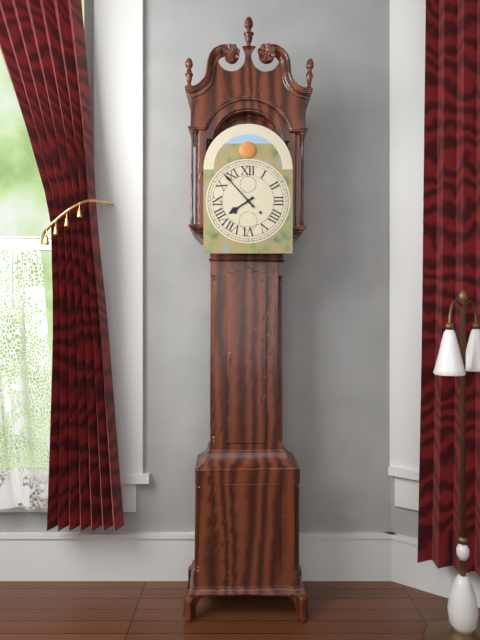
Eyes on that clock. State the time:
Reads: 7:53
